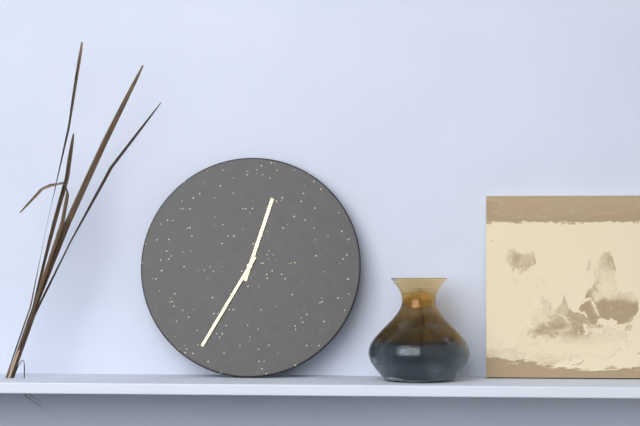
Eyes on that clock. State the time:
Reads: 12:35
